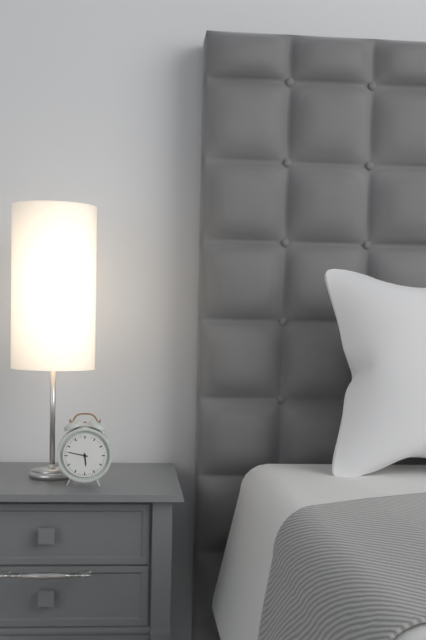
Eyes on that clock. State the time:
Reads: 5:47
